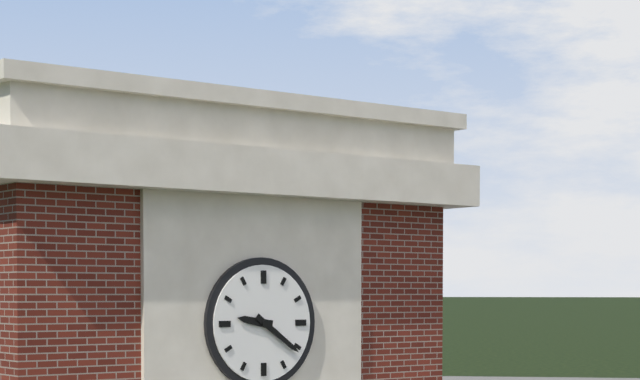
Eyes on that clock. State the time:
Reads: 9:21
